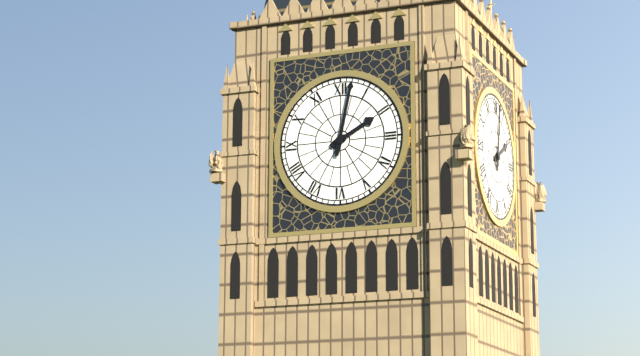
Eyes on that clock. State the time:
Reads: 2:02
